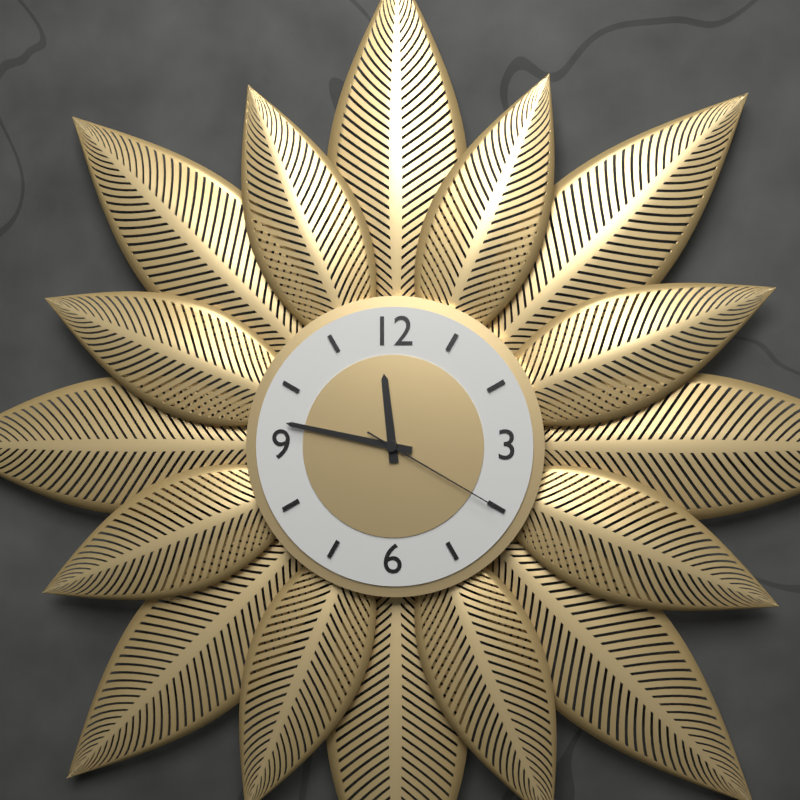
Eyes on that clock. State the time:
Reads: 11:47:20
